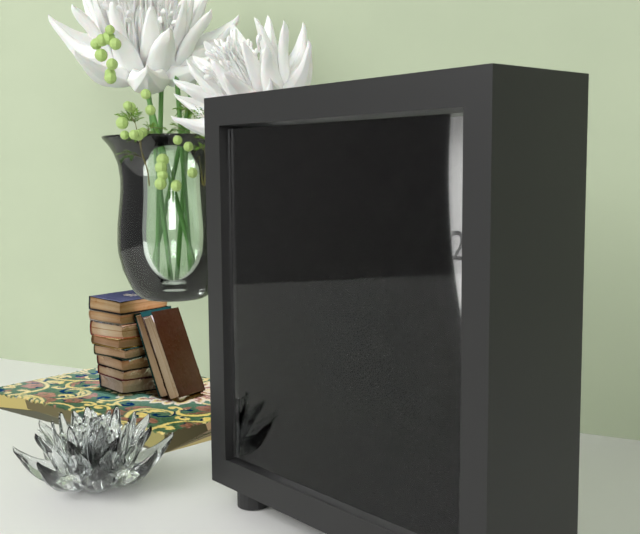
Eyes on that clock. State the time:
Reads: 10:10
